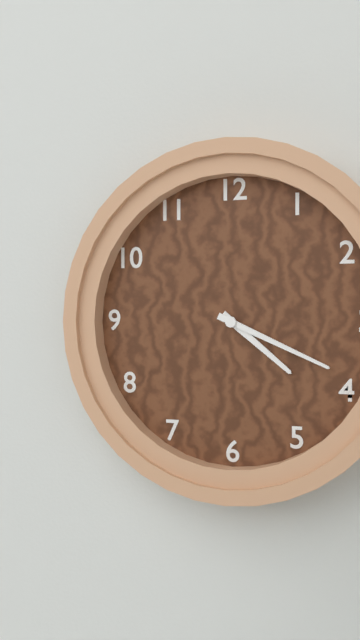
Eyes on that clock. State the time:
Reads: 4:19
